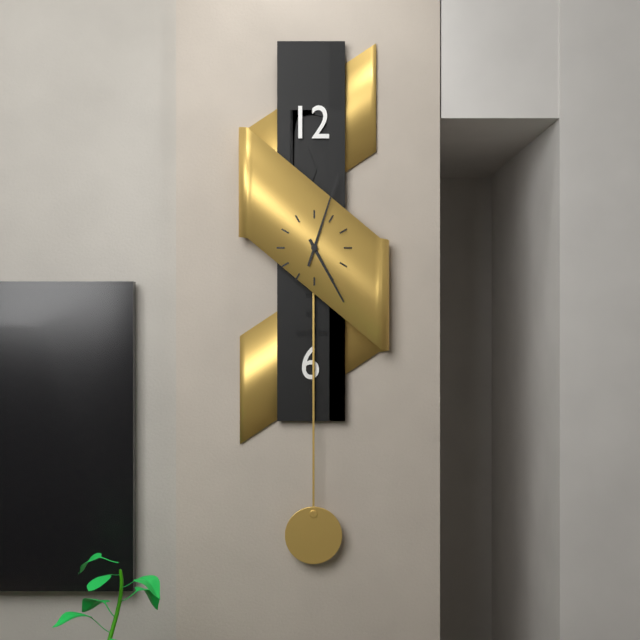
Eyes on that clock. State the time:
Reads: 5:03
